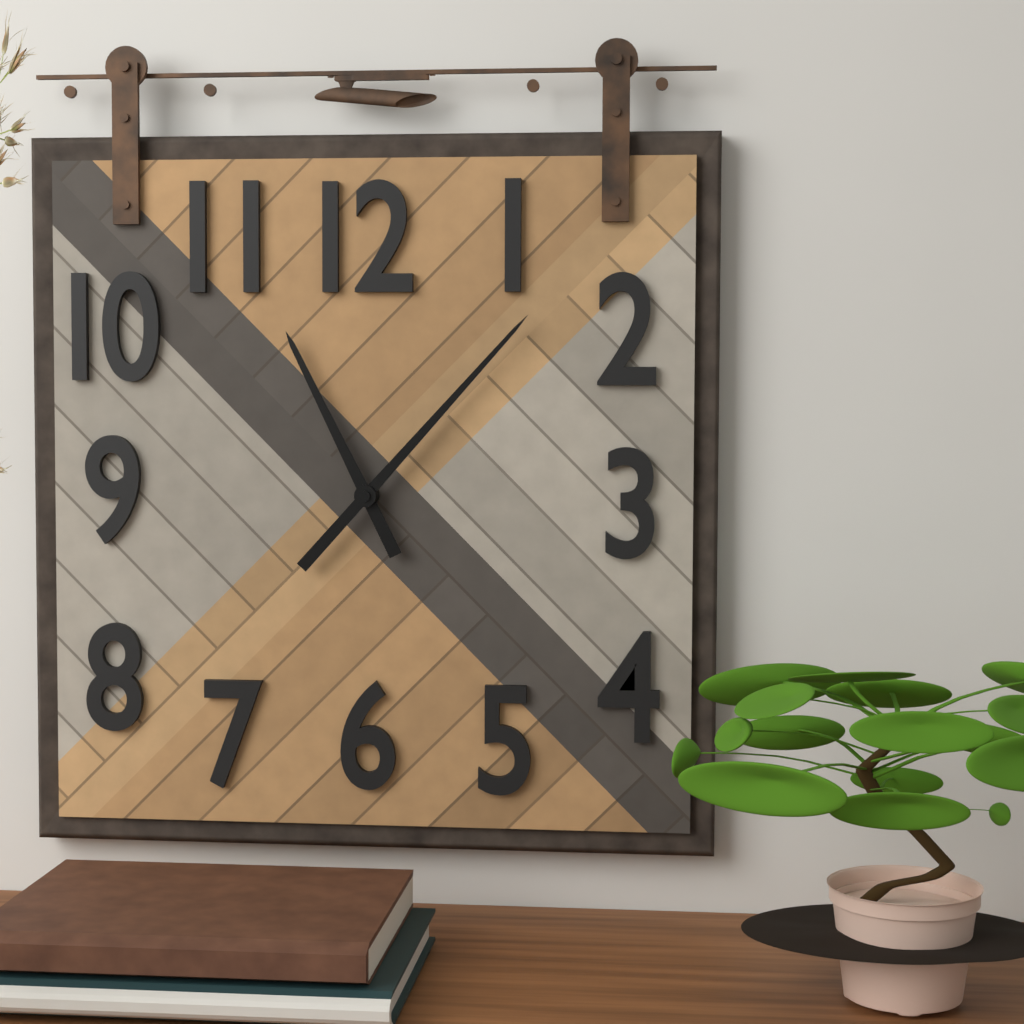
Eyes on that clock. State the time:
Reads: 11:07
